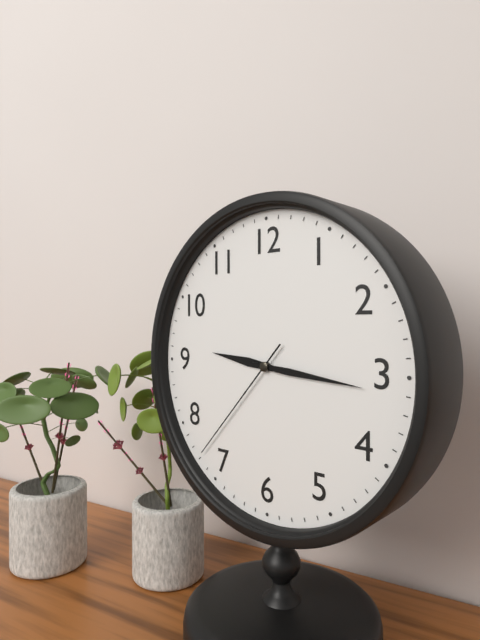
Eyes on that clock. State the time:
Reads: 9:16:37
